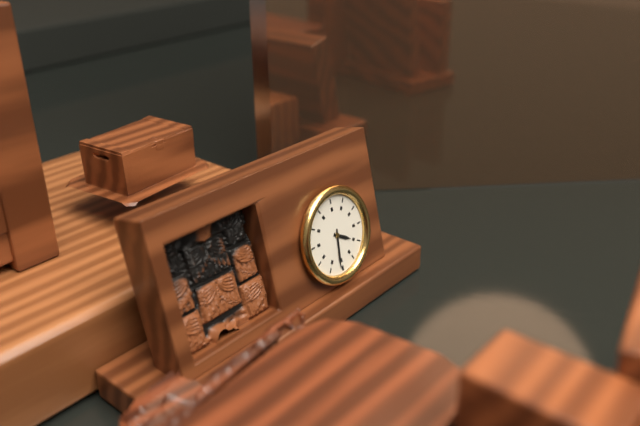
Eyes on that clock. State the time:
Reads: 10:01
